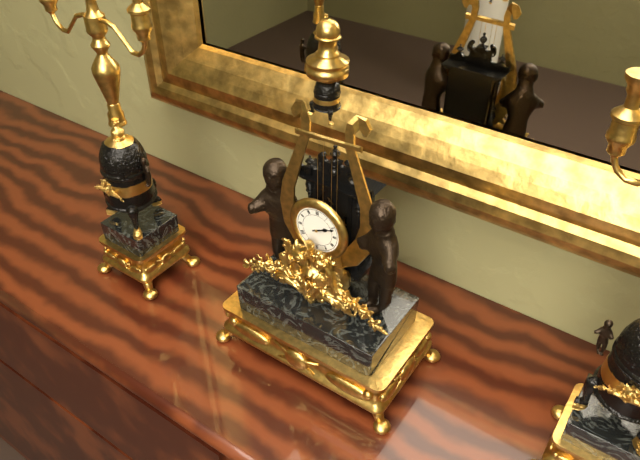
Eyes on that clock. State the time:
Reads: 2:11
